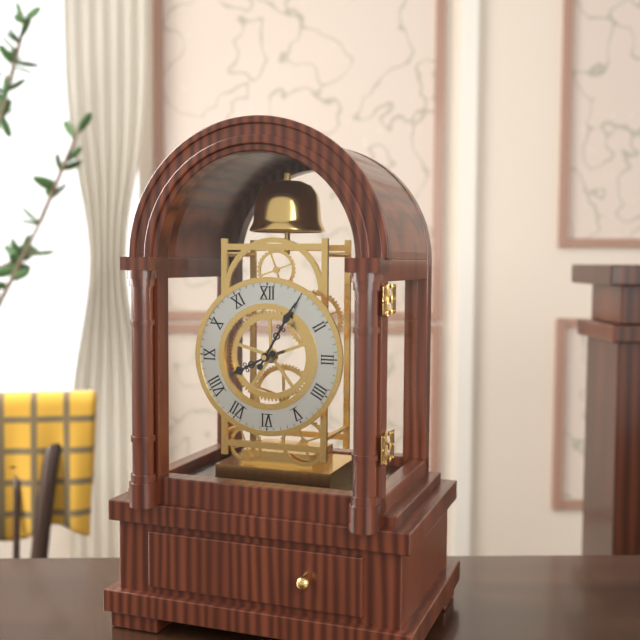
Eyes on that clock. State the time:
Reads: 8:05
